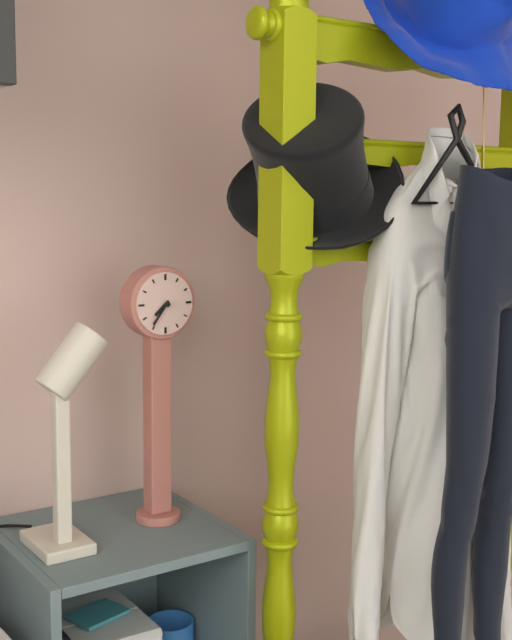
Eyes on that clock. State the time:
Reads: 7:36
